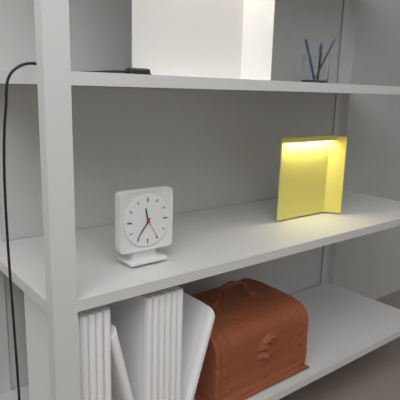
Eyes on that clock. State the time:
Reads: 11:36
